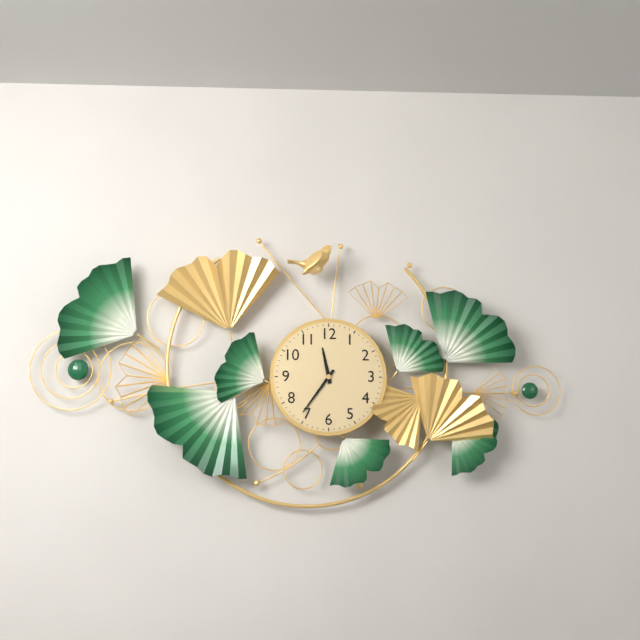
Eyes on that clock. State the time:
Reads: 11:36
